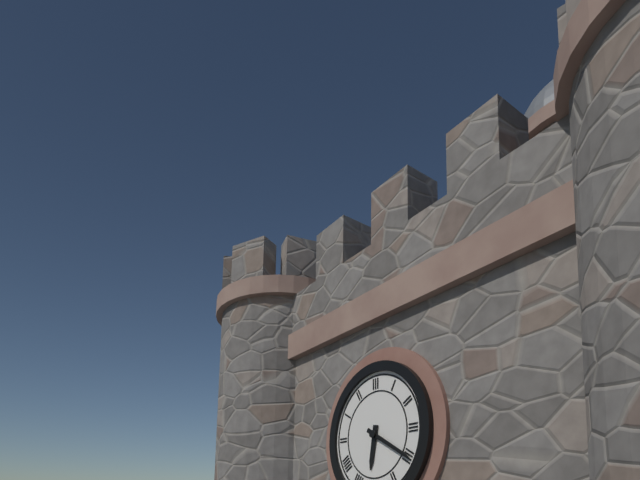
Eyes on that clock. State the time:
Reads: 6:20
